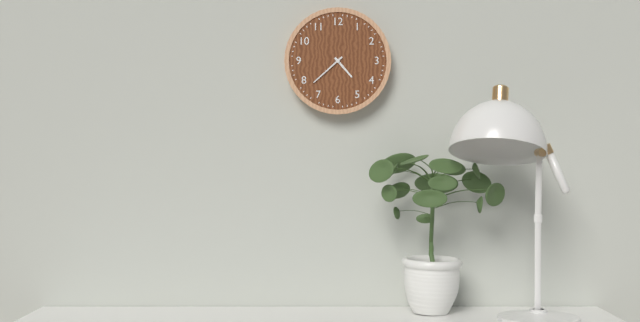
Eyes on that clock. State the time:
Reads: 4:38
